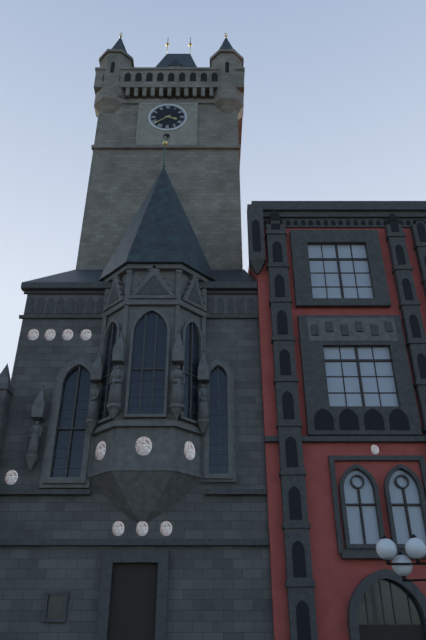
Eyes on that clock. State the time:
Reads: 3:39
